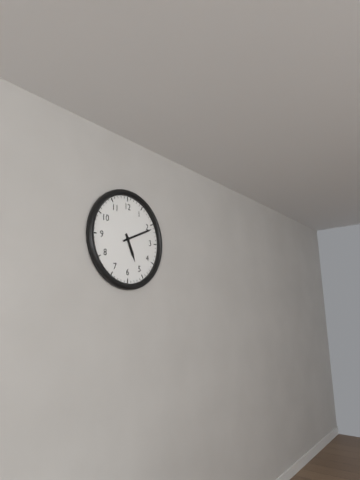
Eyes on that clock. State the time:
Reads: 5:11
